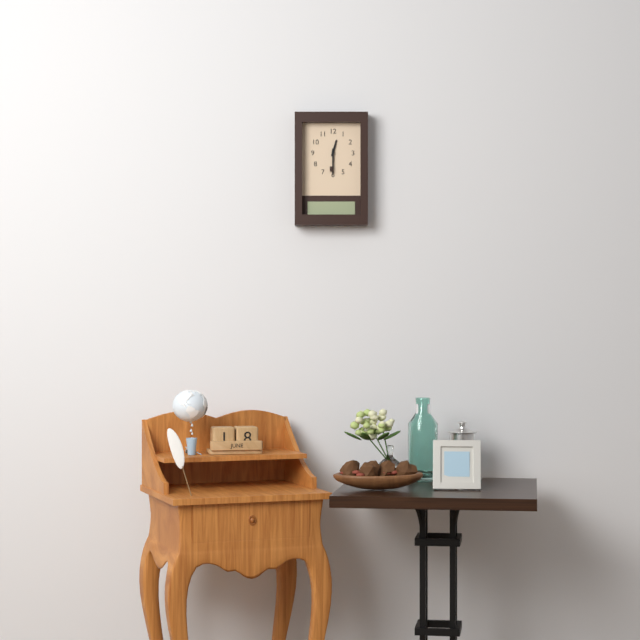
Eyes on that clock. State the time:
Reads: 12:30
